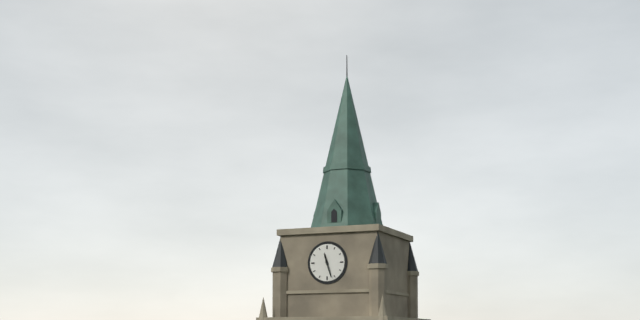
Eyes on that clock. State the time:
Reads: 11:27
